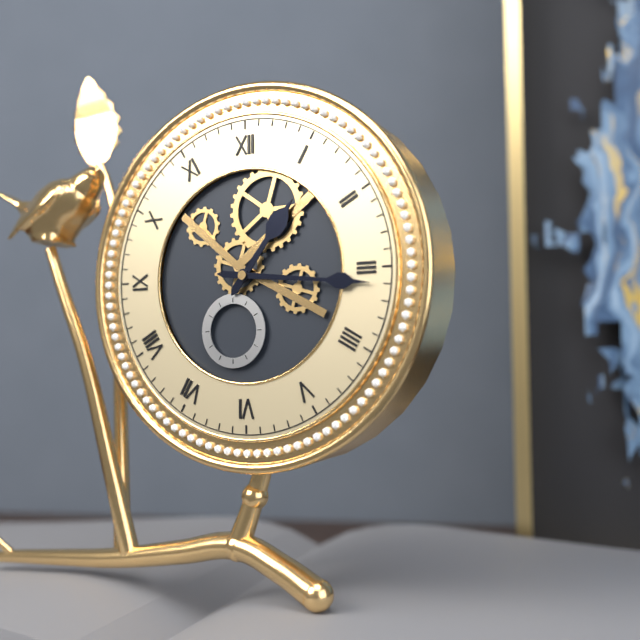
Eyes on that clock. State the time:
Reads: 1:16
